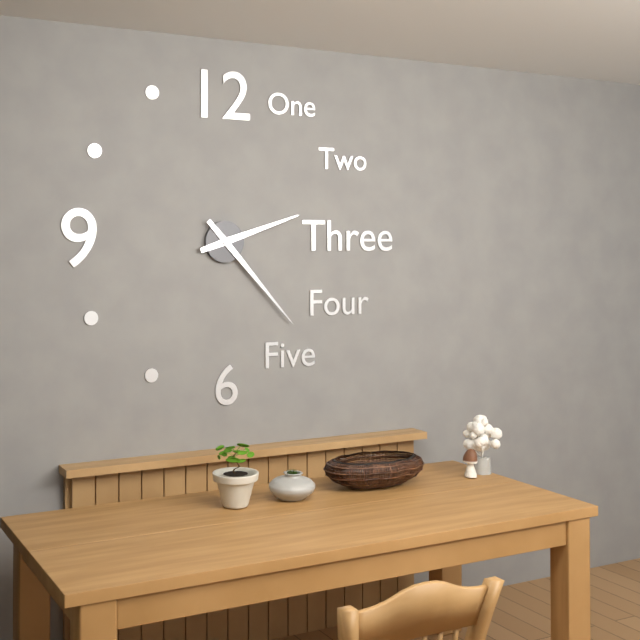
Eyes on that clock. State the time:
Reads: 2:23
